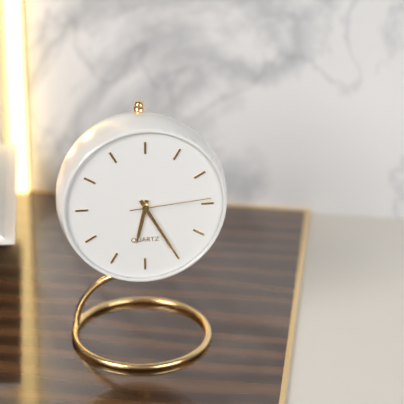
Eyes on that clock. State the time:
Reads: 6:25:14
